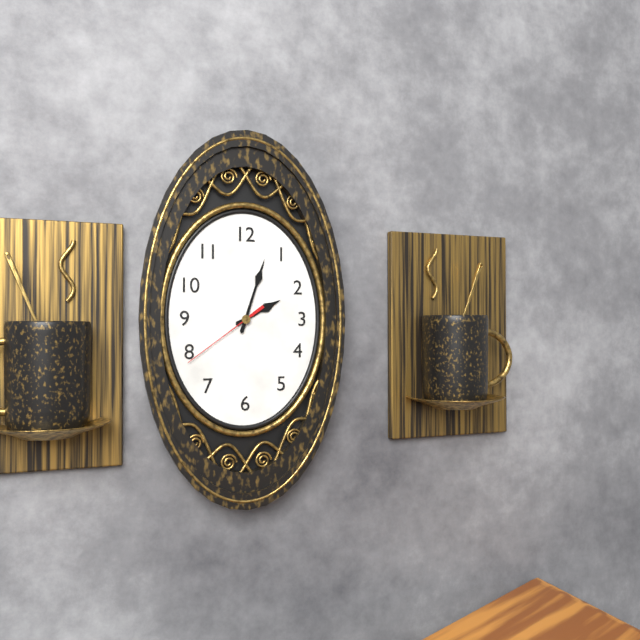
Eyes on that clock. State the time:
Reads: 2:03:39
